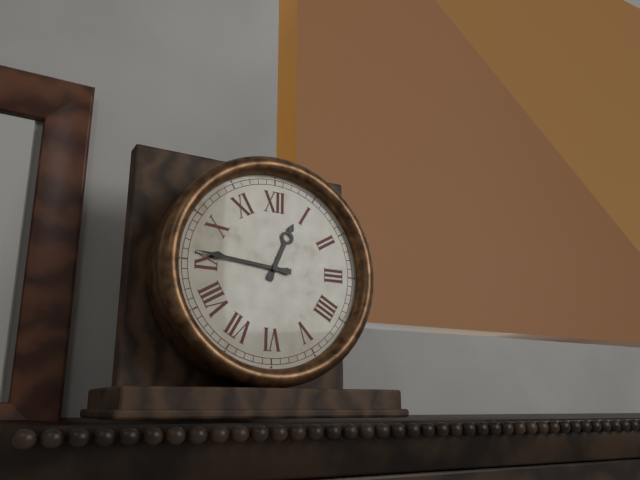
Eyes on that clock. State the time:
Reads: 12:46
